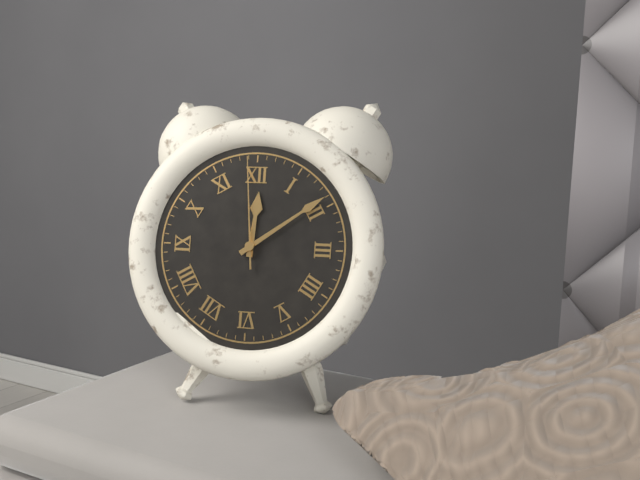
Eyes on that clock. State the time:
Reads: 12:09:59
